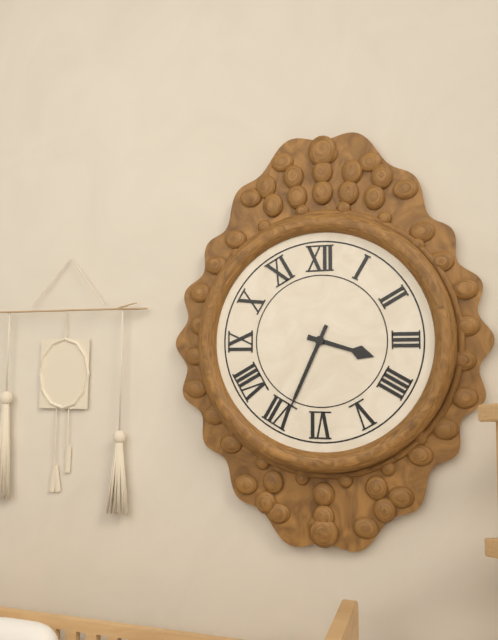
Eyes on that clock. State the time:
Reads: 3:34
